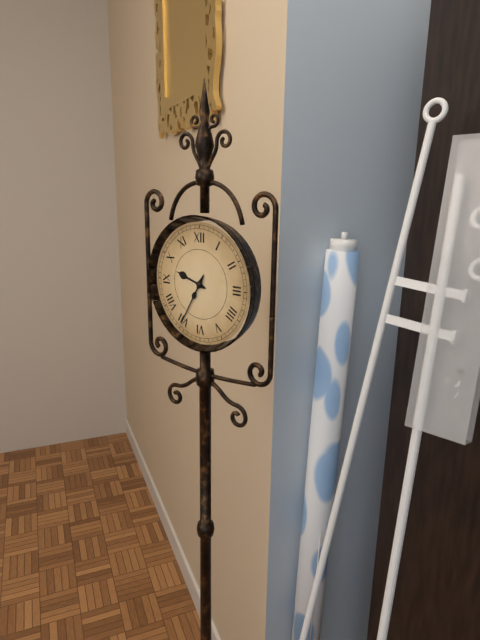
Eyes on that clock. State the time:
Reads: 9:35
